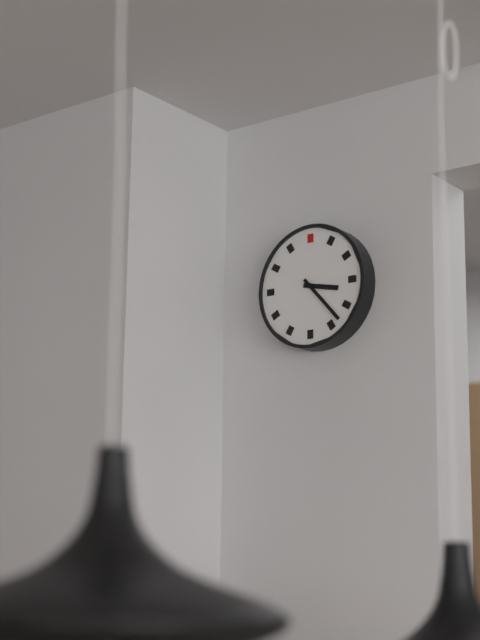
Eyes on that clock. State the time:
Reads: 3:23
